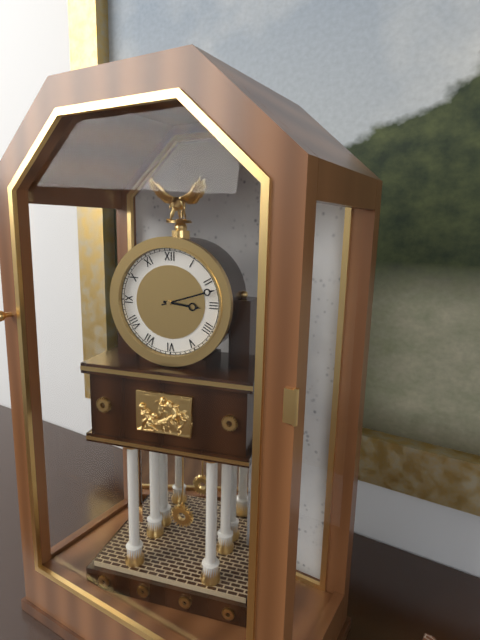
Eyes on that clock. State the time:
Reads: 3:12
